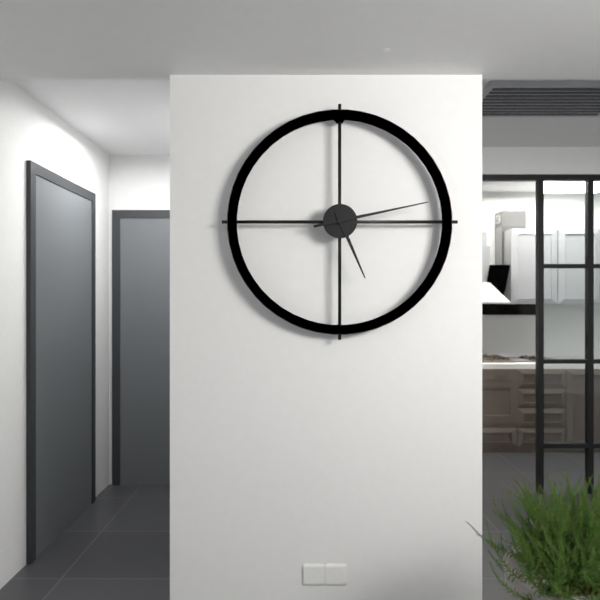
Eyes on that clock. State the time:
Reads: 5:13
